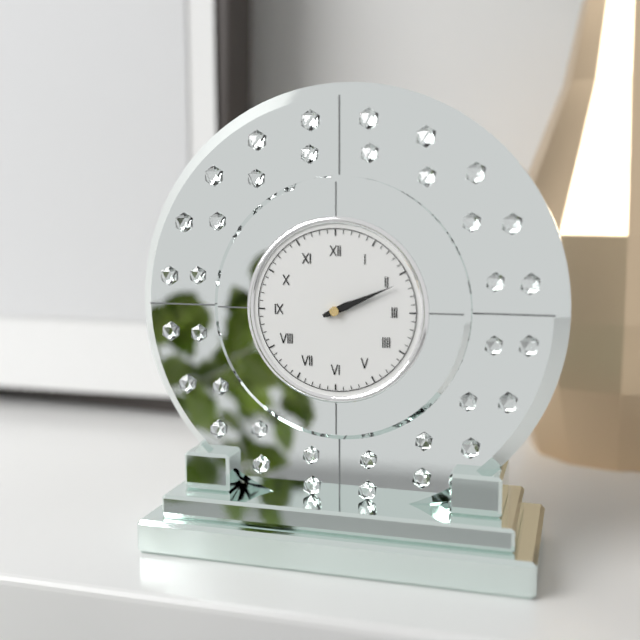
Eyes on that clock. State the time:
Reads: 2:11
